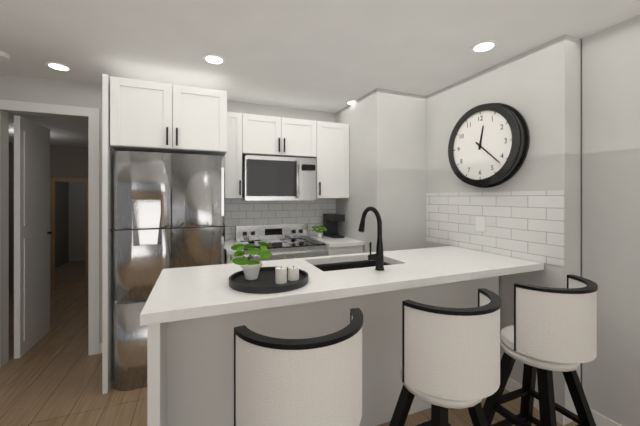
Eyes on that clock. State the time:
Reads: 12:22
